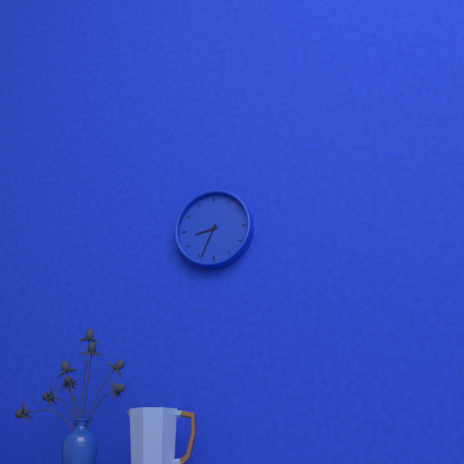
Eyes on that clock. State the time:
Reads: 8:34
